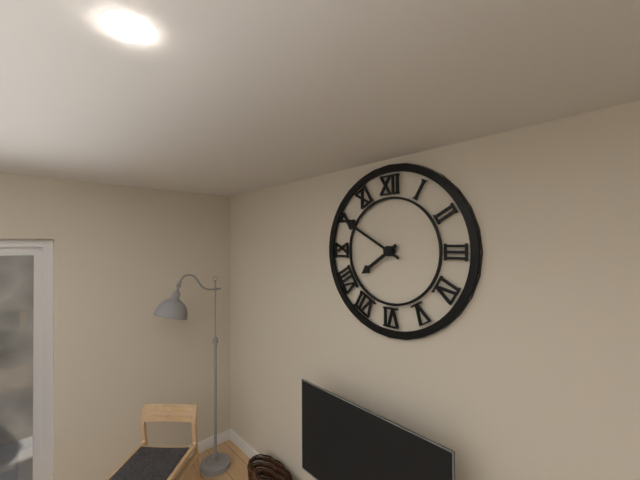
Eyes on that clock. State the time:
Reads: 7:50
